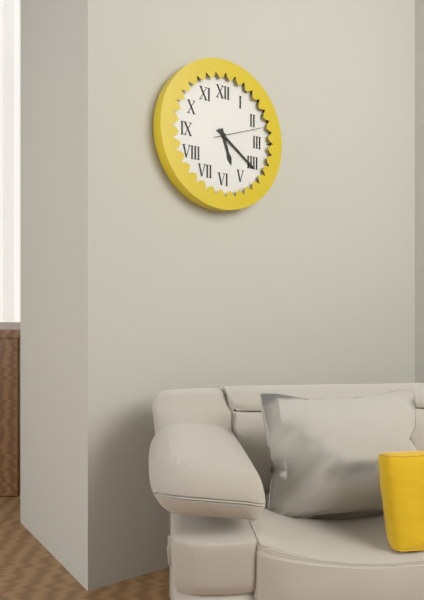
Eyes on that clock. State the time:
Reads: 5:21:12
